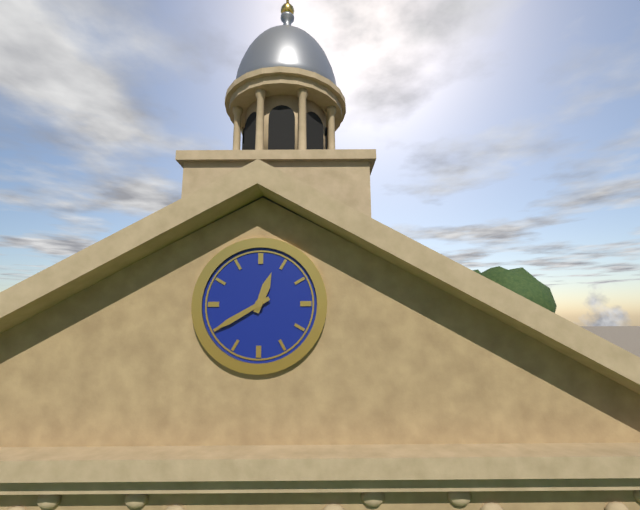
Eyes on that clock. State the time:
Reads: 12:40
